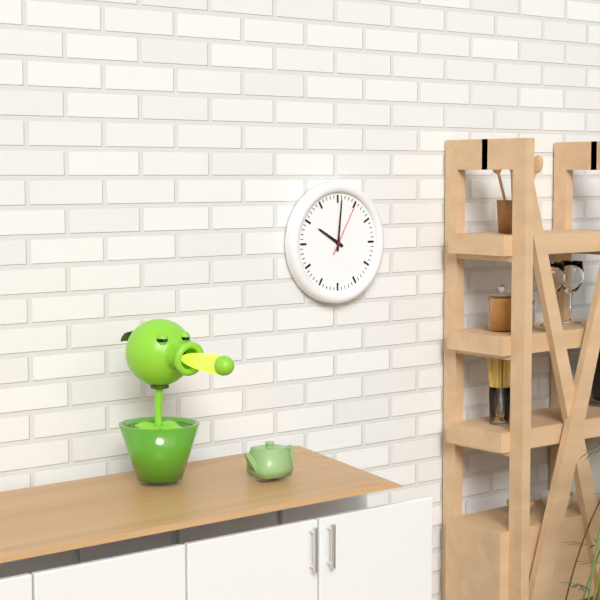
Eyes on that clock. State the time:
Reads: 10:01:05
